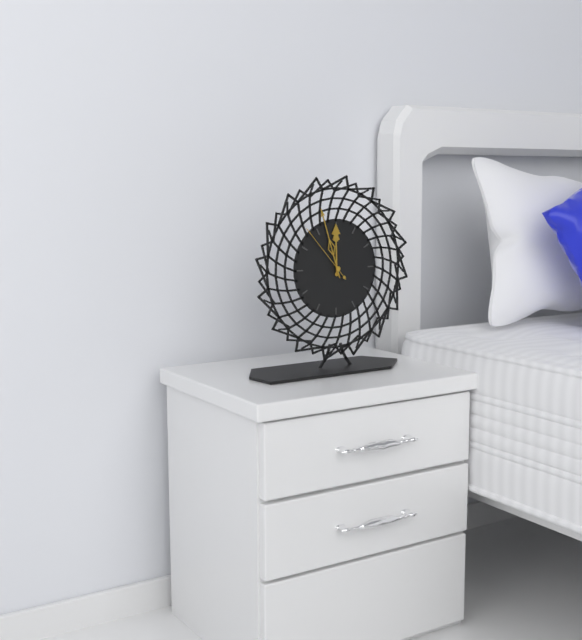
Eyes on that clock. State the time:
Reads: 11:57:53
